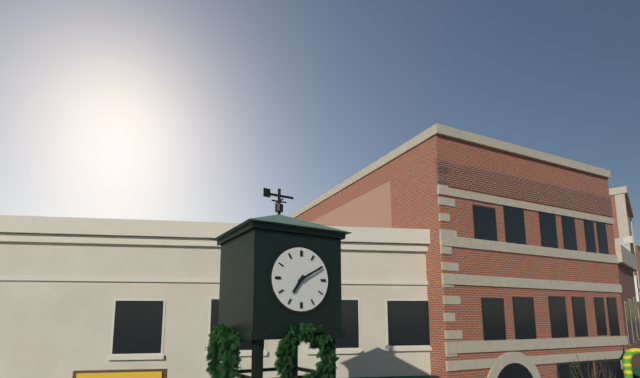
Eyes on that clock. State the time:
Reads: 7:10
